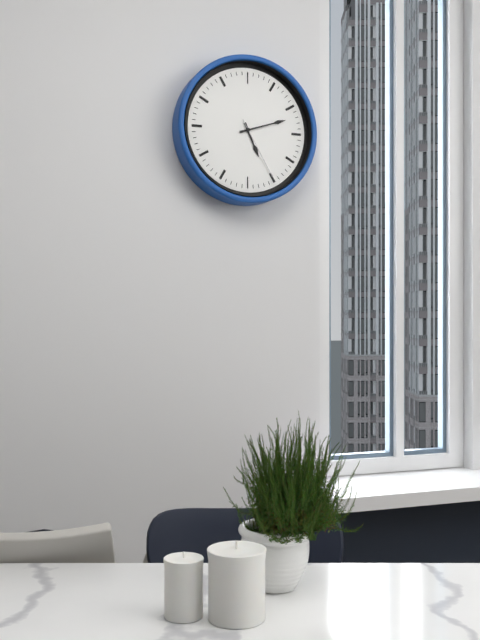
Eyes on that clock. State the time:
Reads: 5:12:25
